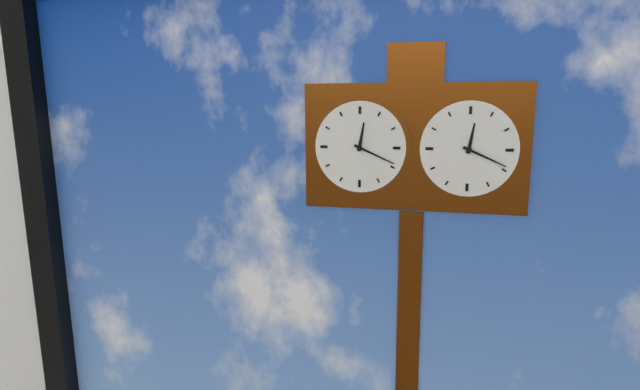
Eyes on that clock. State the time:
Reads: 12:19
